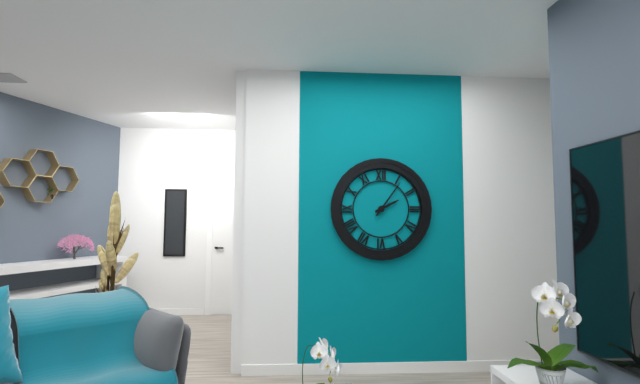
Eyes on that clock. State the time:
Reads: 2:06
